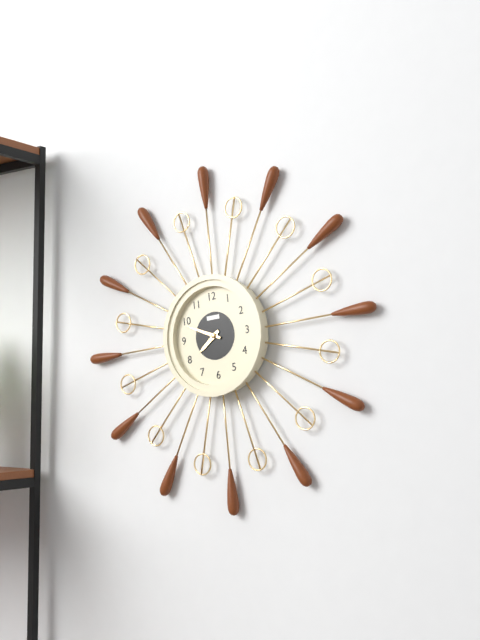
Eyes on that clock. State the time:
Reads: 7:49
